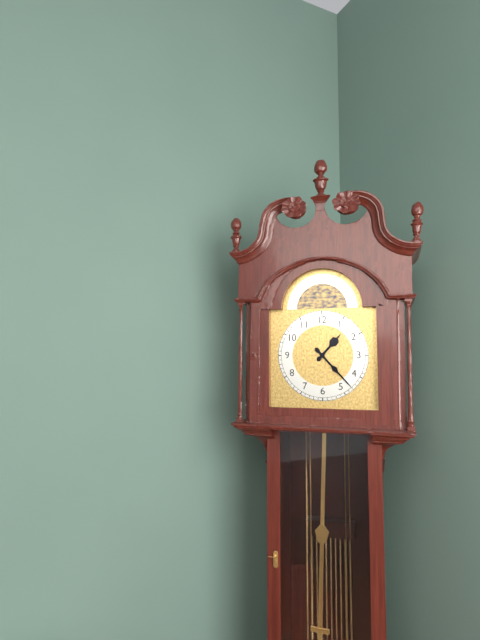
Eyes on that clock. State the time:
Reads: 1:23
